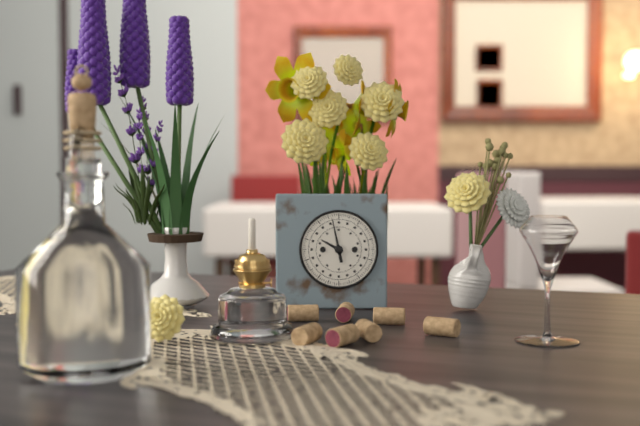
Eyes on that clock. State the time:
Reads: 9:58
